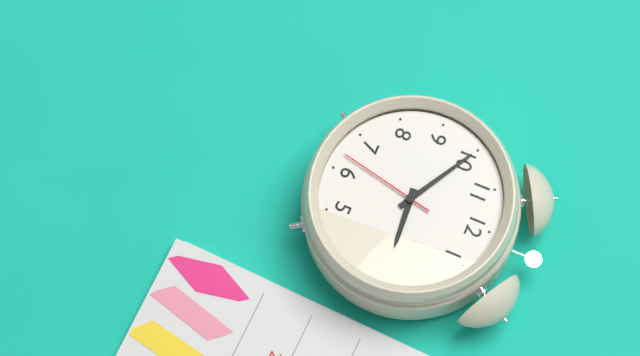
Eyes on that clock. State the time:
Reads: 2:50:32
